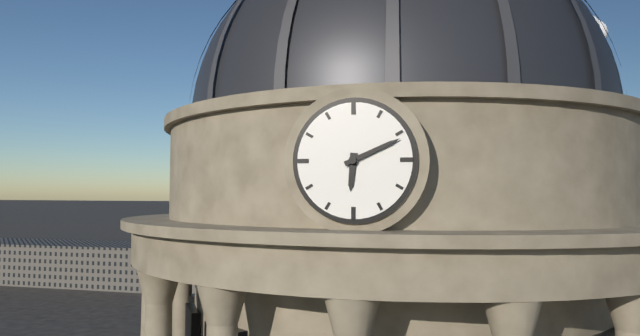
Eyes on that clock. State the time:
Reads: 6:11
